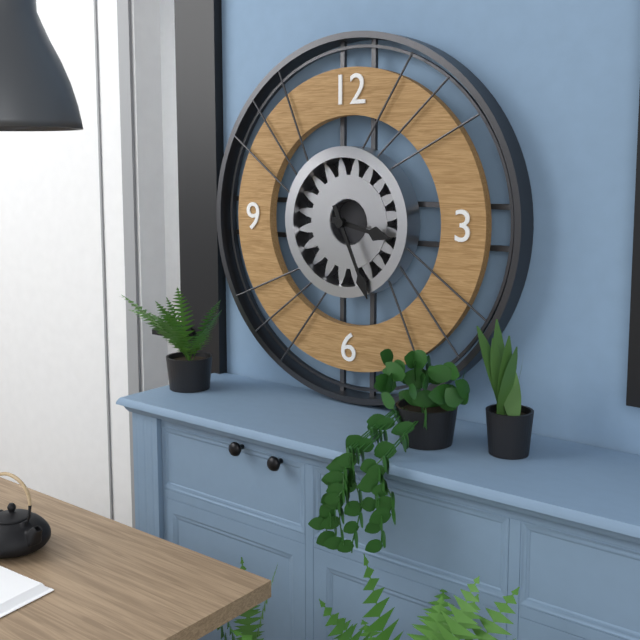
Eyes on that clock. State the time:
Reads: 3:26
